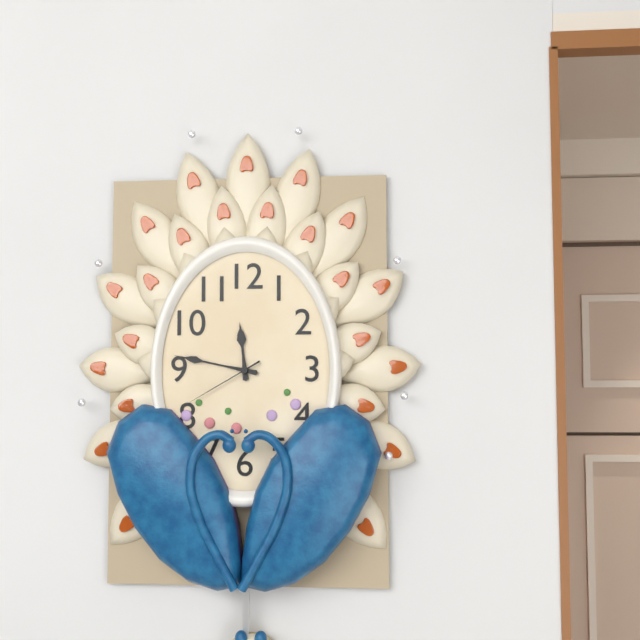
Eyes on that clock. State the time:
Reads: 11:47:40
